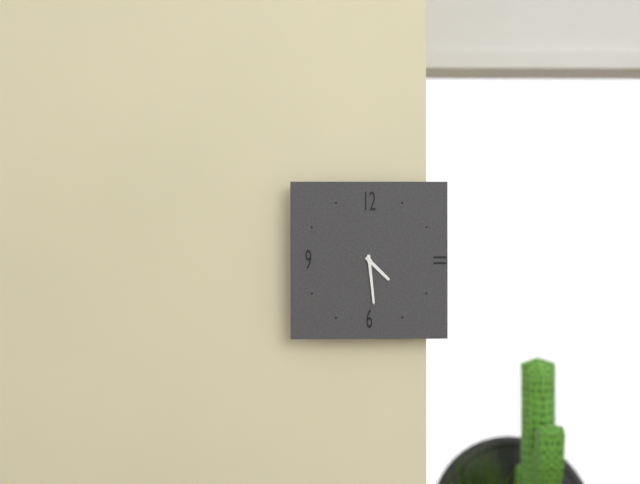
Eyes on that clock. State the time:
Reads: 4:29
